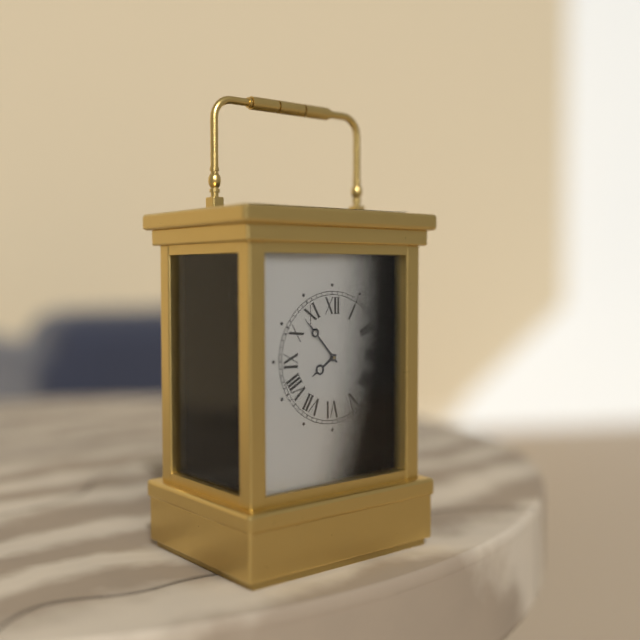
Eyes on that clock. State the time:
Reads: 7:53
